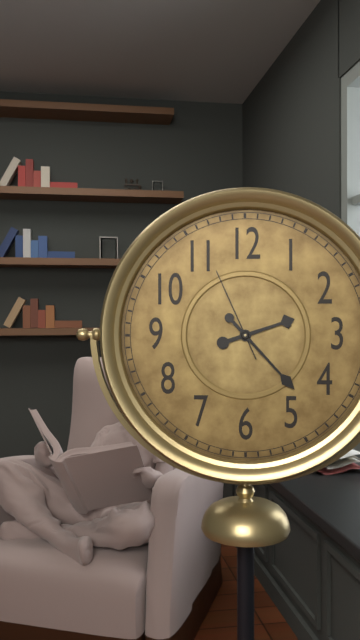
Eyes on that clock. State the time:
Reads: 2:23:56
